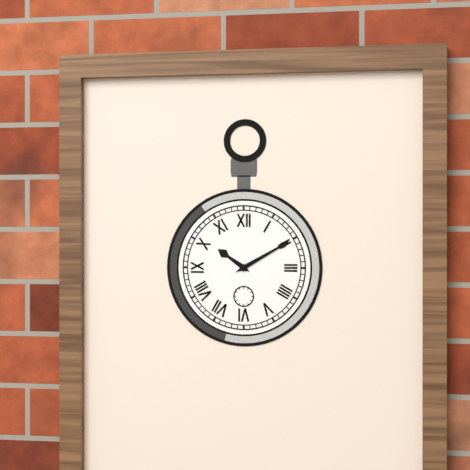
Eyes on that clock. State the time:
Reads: 10:10
